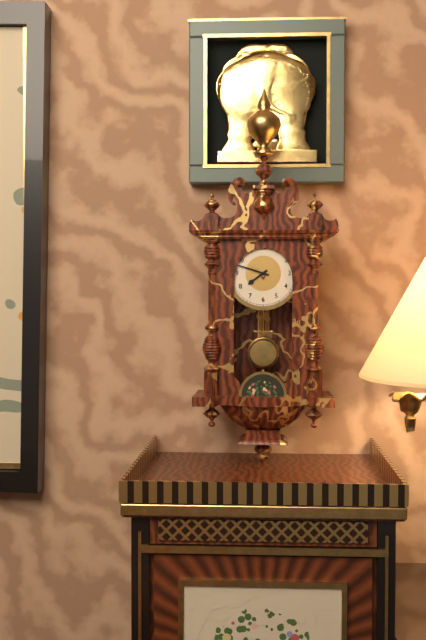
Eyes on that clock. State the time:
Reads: 7:48
